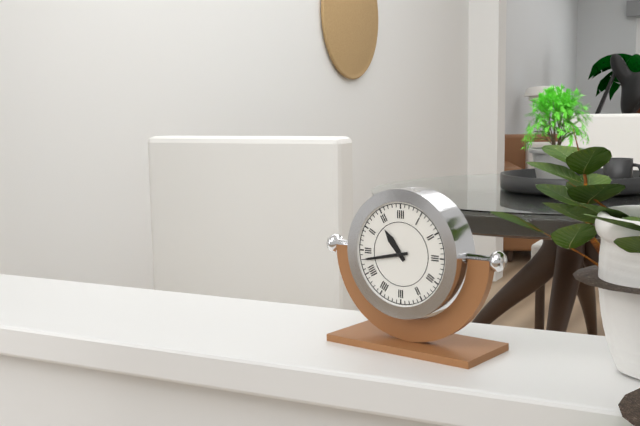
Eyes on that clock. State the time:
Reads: 10:43
